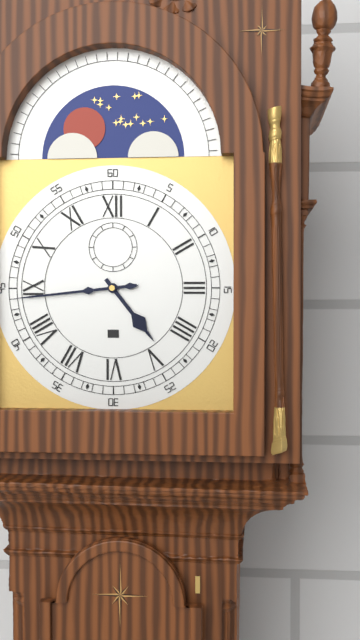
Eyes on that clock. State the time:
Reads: 4:44
